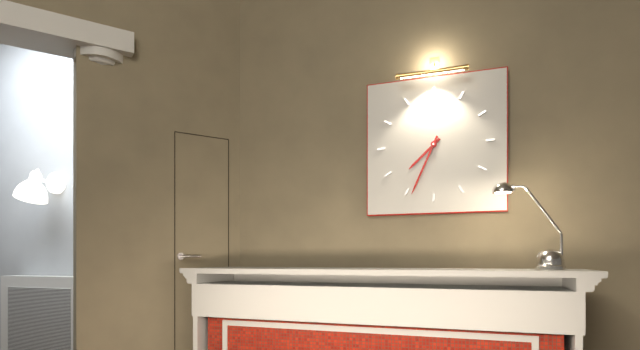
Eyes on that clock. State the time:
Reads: 7:34
